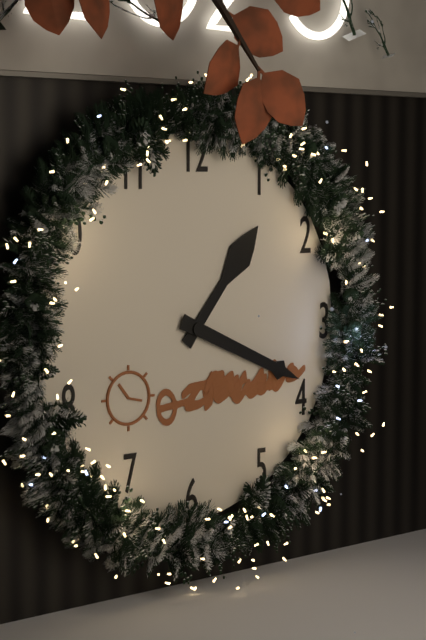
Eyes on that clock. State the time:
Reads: 1:19
